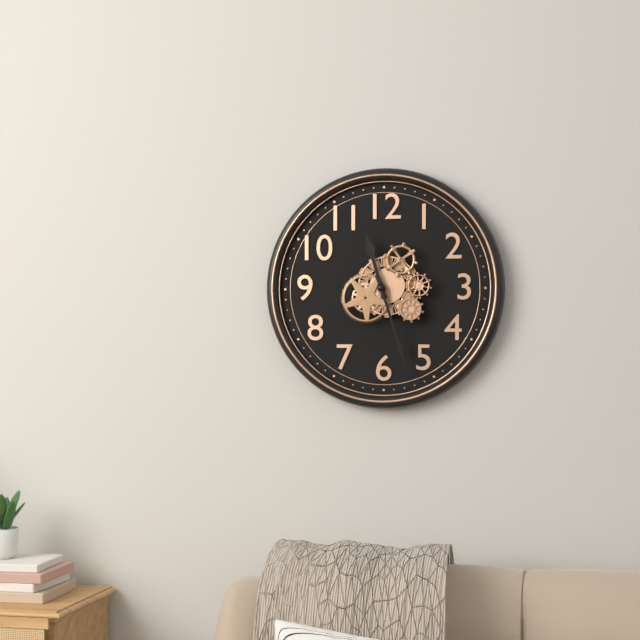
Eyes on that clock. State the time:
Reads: 11:27
